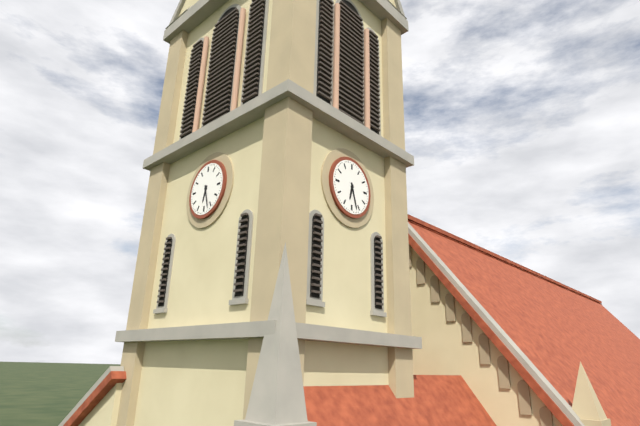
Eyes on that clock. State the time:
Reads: 6:27
